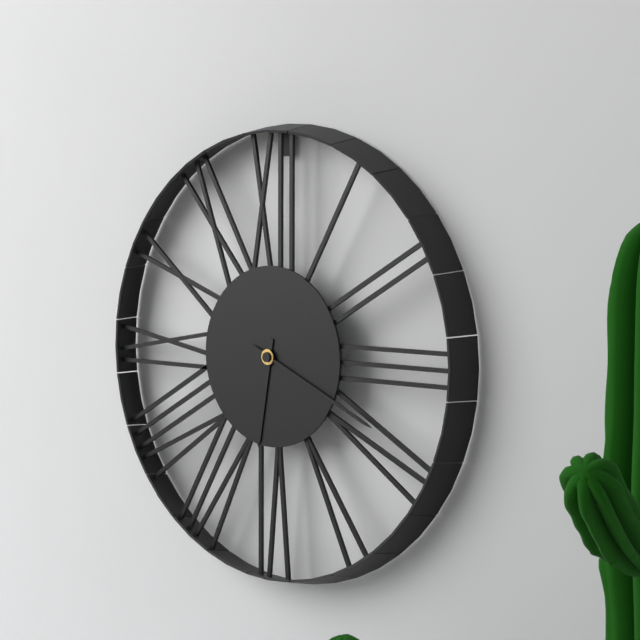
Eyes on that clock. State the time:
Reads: 6:19
